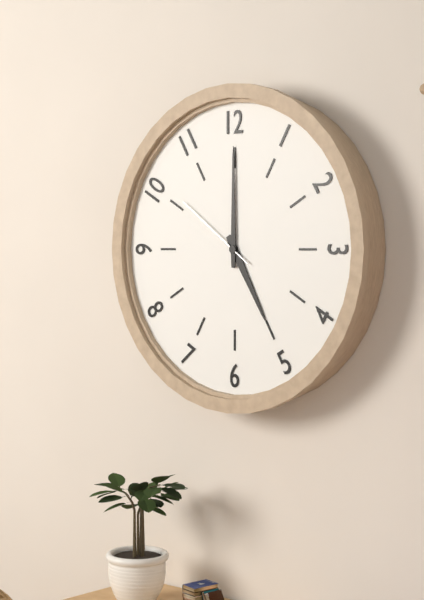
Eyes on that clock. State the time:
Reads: 5:00:51
